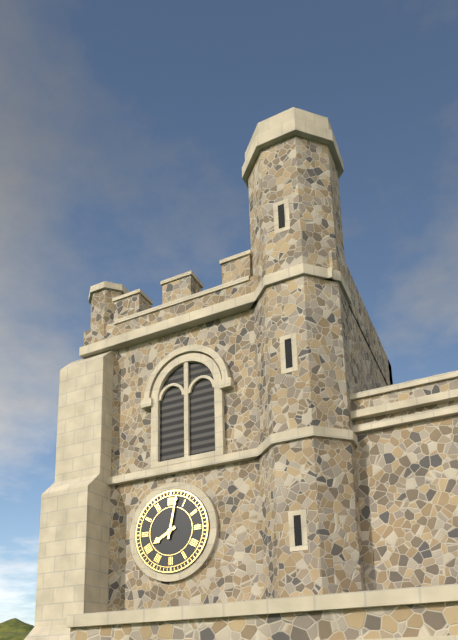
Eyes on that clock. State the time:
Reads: 8:02
